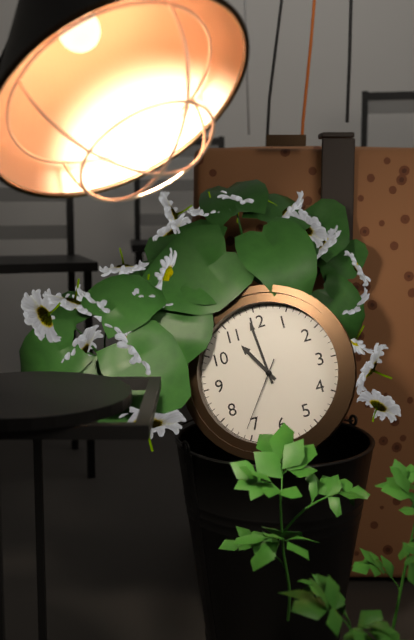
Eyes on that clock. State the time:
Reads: 10:59:36
